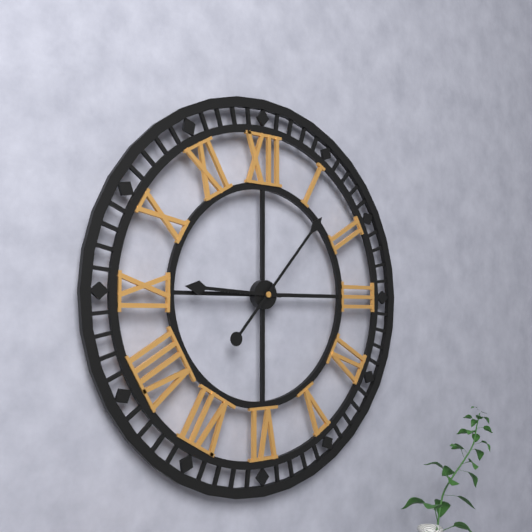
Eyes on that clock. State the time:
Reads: 9:07
